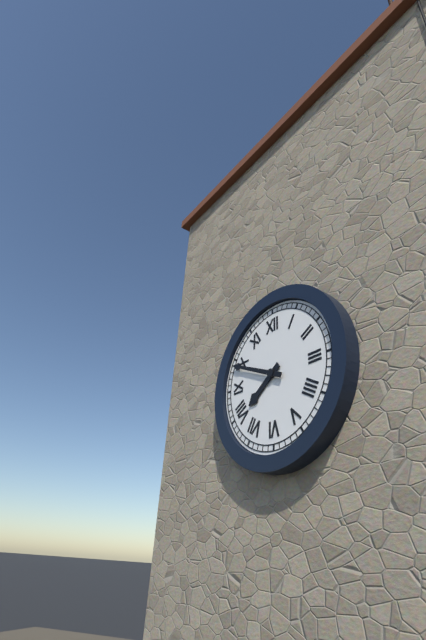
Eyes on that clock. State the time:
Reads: 7:49
